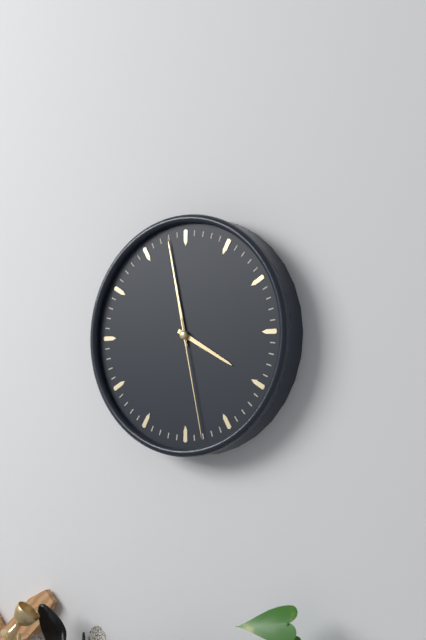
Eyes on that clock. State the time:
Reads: 3:58:28
